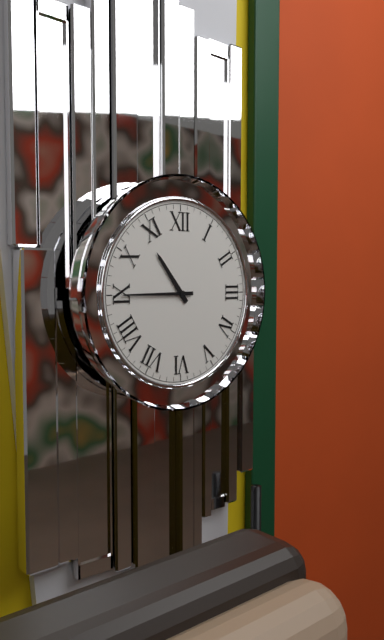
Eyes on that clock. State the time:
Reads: 10:45
